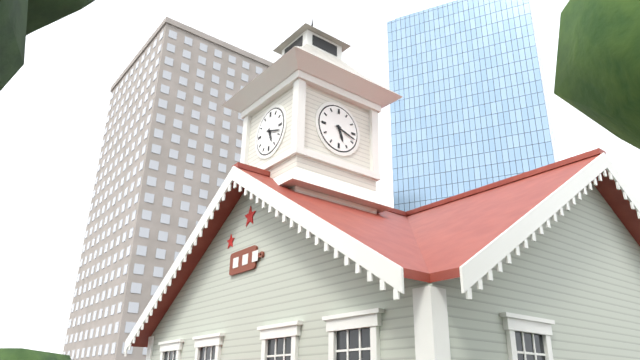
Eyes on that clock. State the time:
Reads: 5:18
